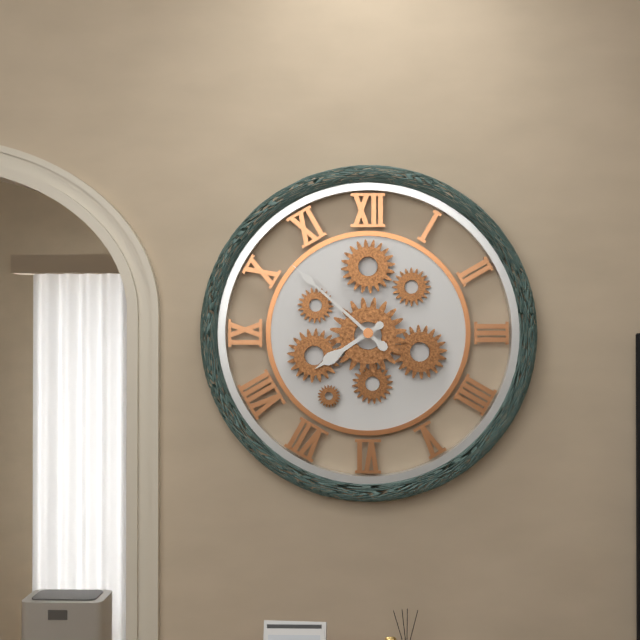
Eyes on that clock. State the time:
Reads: 7:52
